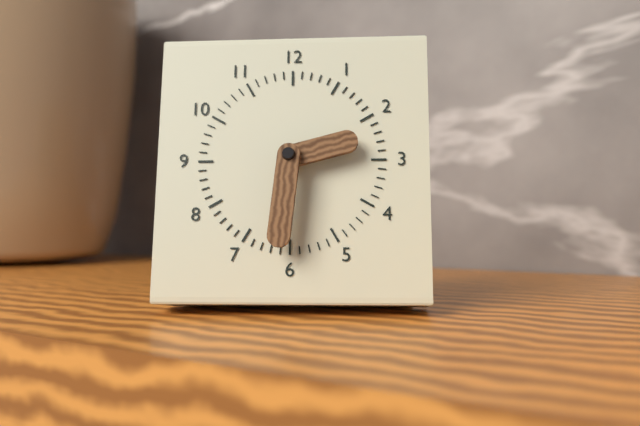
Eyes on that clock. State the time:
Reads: 2:31
